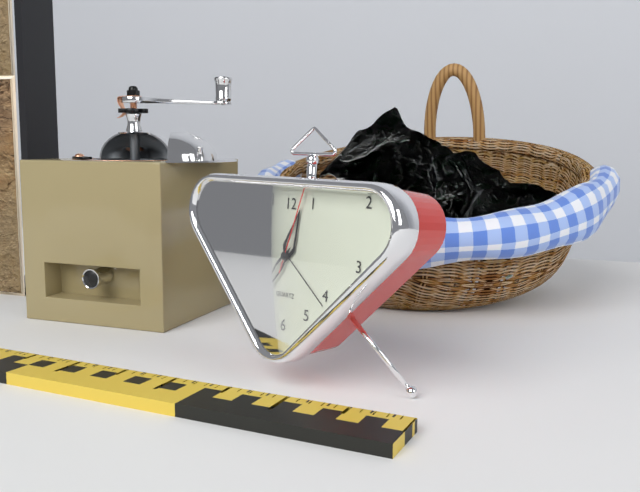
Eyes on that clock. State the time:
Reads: 12:36:03
